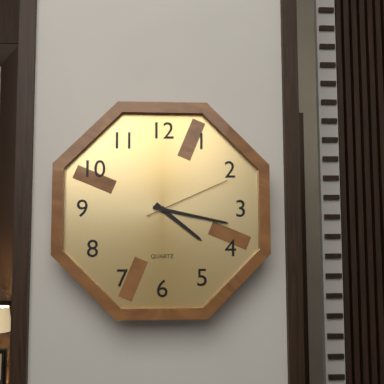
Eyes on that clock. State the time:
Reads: 4:17:11
